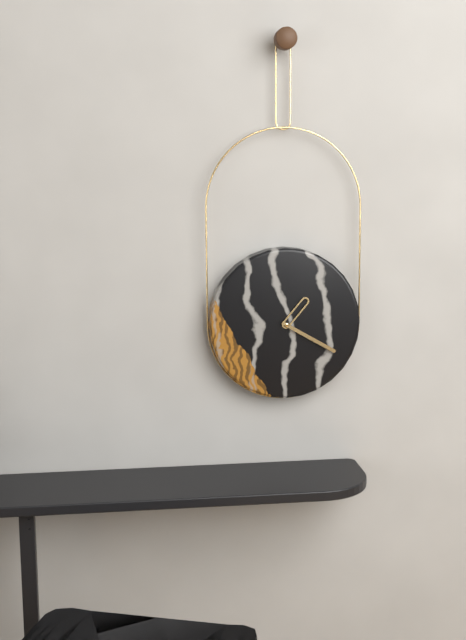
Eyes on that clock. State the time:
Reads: 1:20
